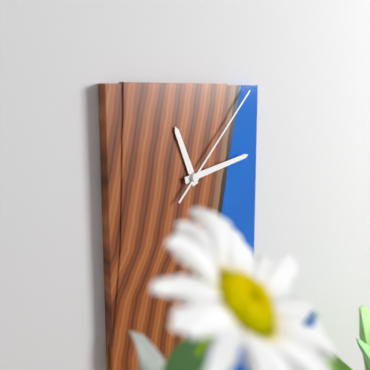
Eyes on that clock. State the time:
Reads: 11:13:07
